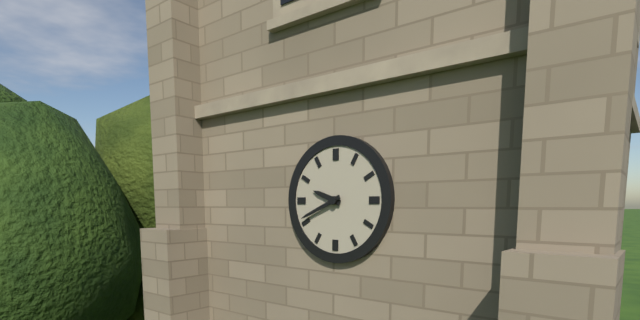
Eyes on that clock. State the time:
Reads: 9:41
